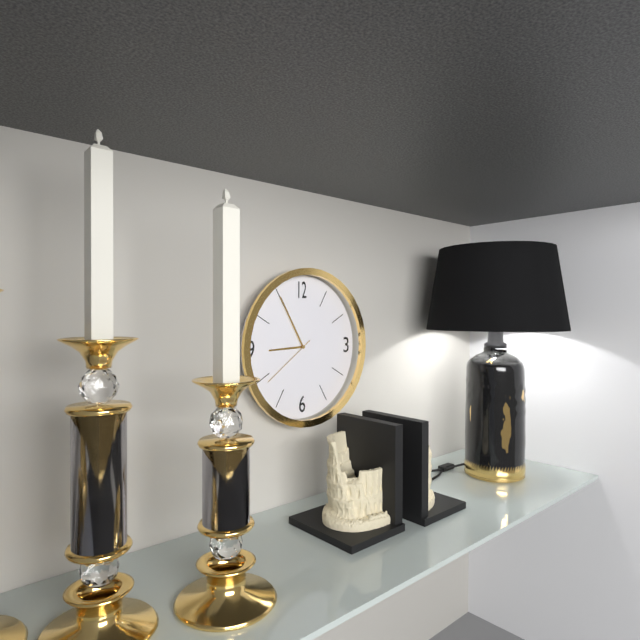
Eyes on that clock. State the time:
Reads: 8:55:39
